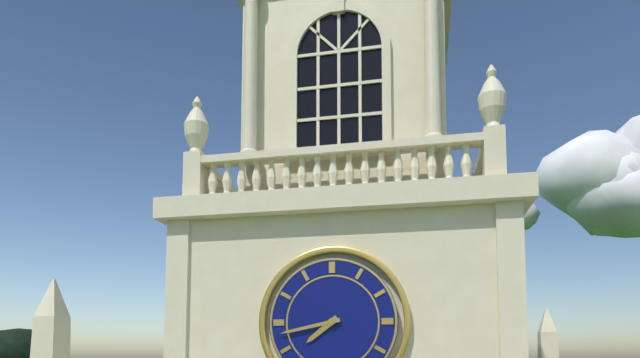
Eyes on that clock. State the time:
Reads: 7:43
